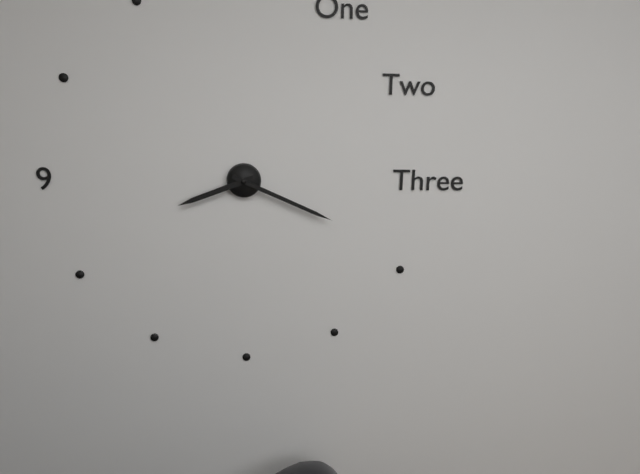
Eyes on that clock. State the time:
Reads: 8:19
